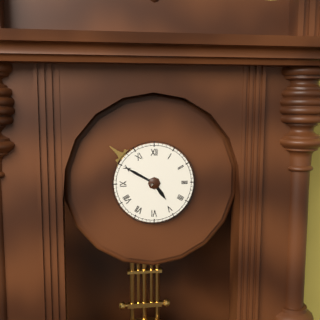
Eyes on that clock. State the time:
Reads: 4:50
